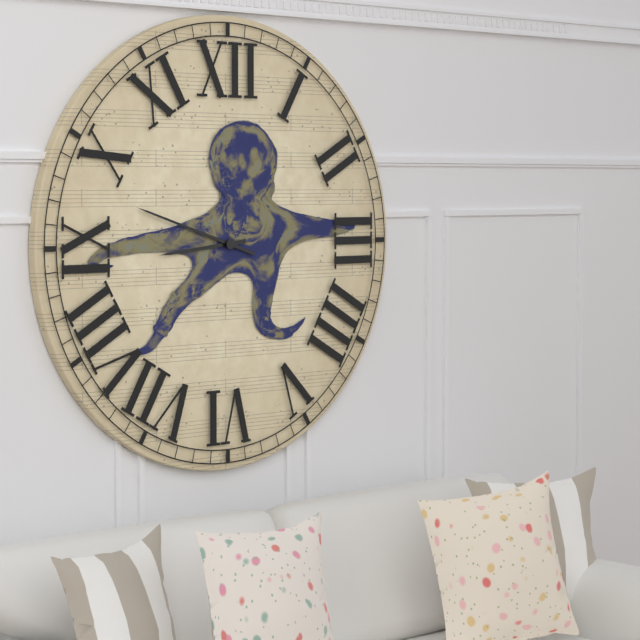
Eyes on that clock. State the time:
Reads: 8:48
